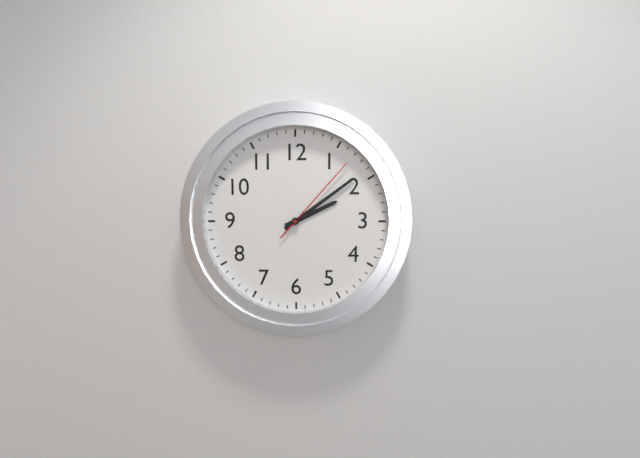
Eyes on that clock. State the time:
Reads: 2:09:07
